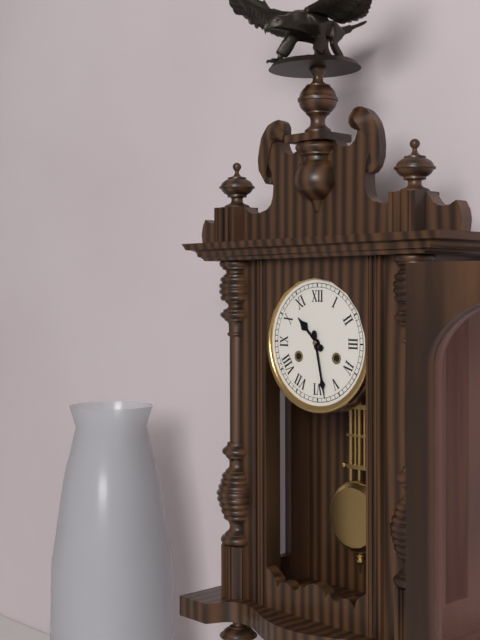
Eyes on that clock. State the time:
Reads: 10:28
